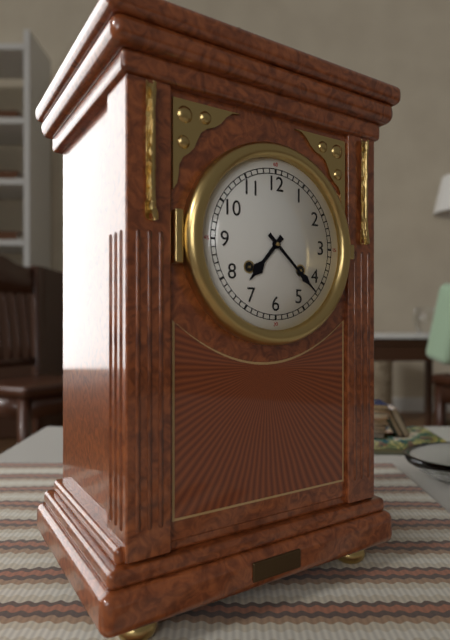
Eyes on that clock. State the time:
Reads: 7:22
